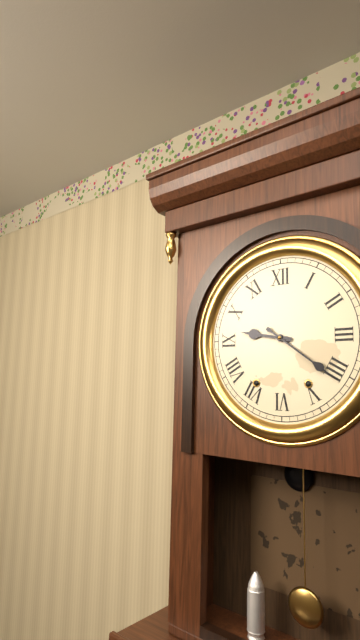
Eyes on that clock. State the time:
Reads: 9:21
